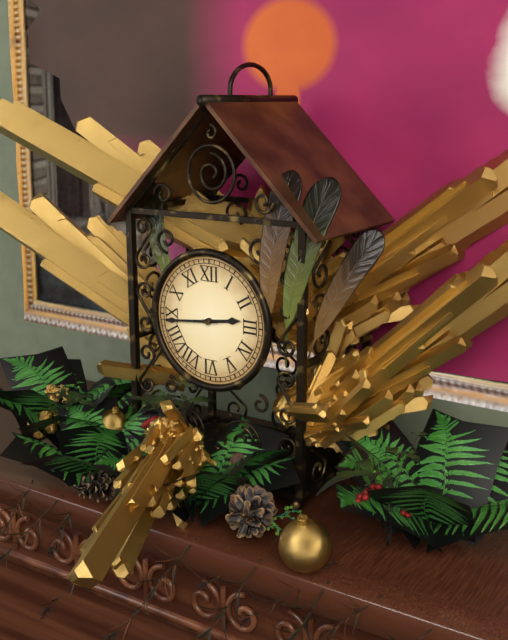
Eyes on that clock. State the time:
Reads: 2:44
